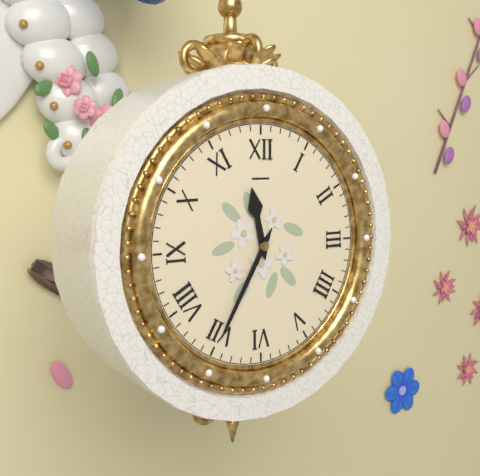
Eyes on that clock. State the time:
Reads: 11:35
